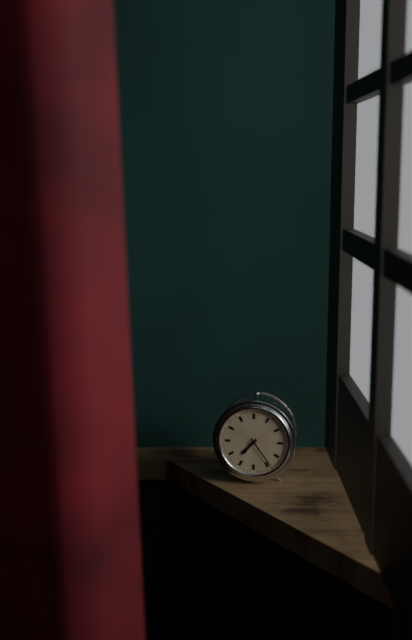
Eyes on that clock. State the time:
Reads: 7:24
